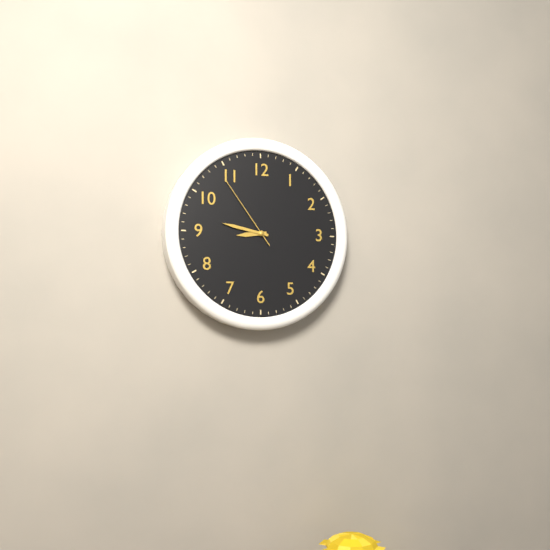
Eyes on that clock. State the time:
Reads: 8:47:54
